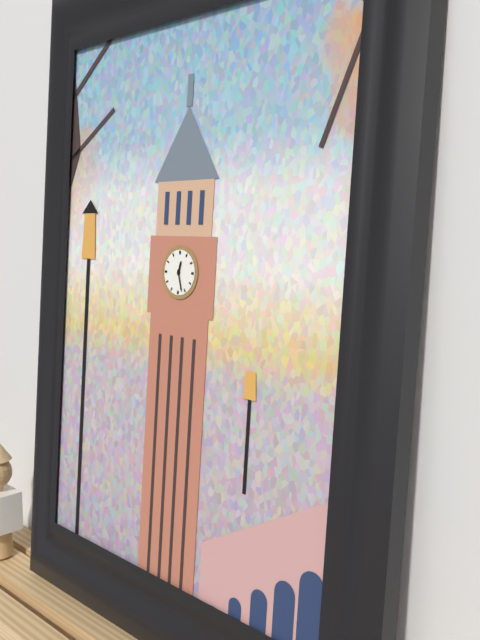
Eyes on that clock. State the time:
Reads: 12:27
